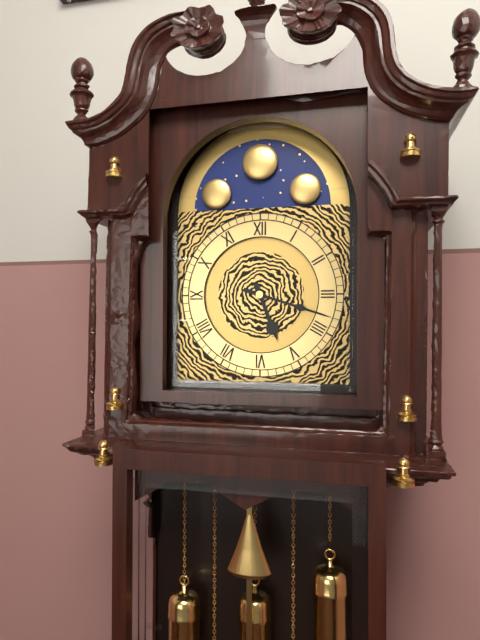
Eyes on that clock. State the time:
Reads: 5:18
